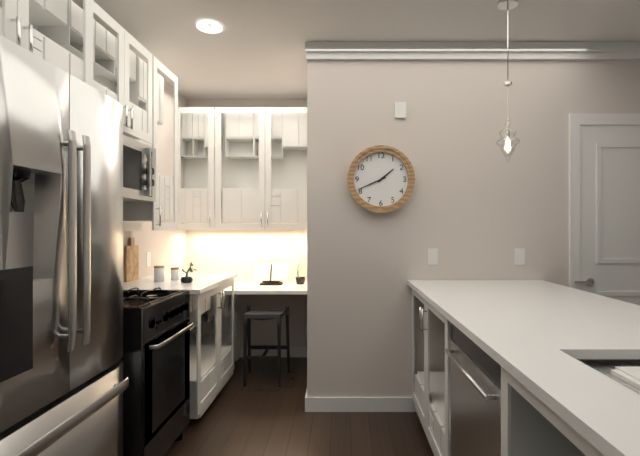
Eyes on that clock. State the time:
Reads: 1:41
